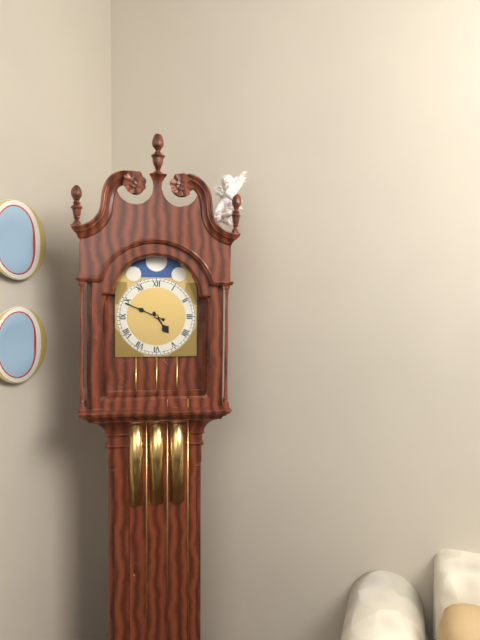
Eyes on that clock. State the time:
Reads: 4:49
